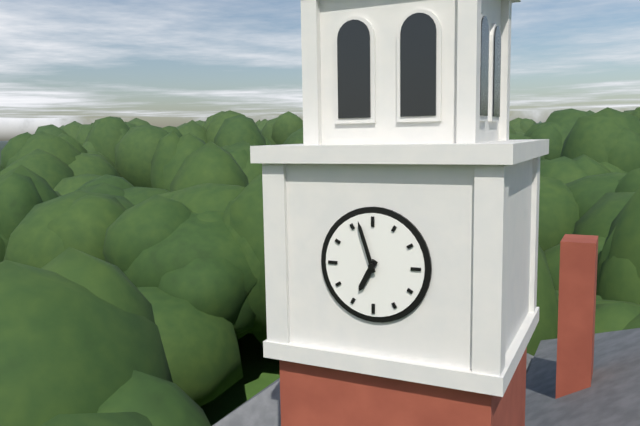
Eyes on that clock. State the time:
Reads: 6:57
